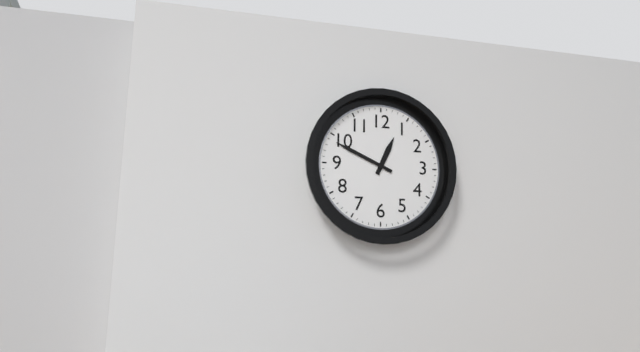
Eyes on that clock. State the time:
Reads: 12:49
